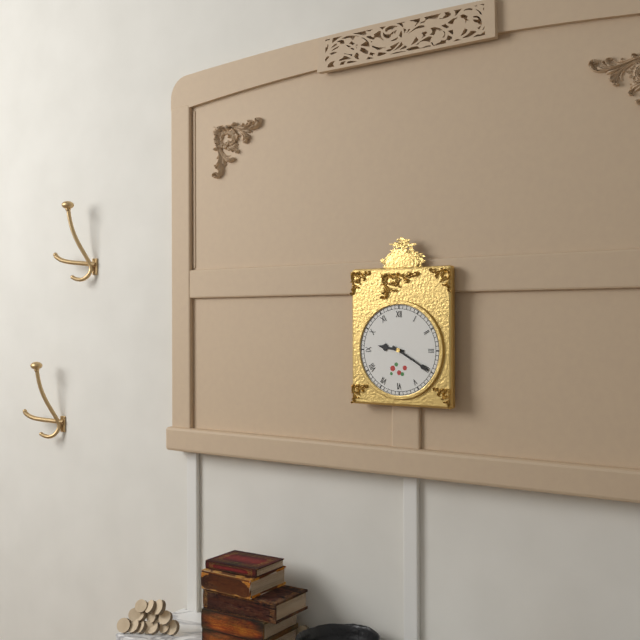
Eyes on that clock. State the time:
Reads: 9:20
